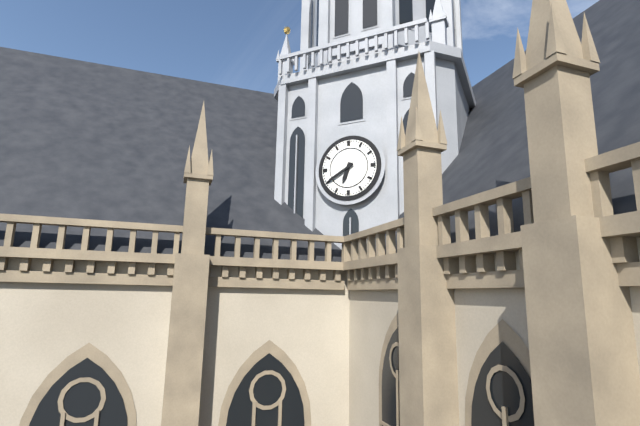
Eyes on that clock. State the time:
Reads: 6:40
